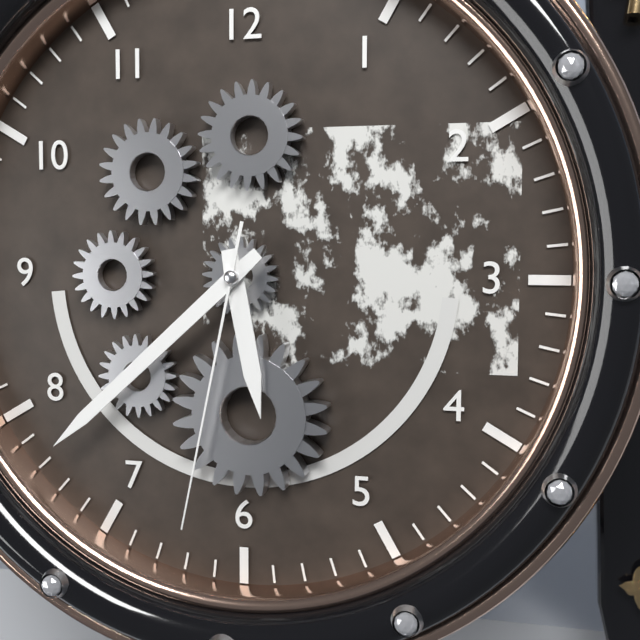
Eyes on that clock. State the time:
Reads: 5:38:32
